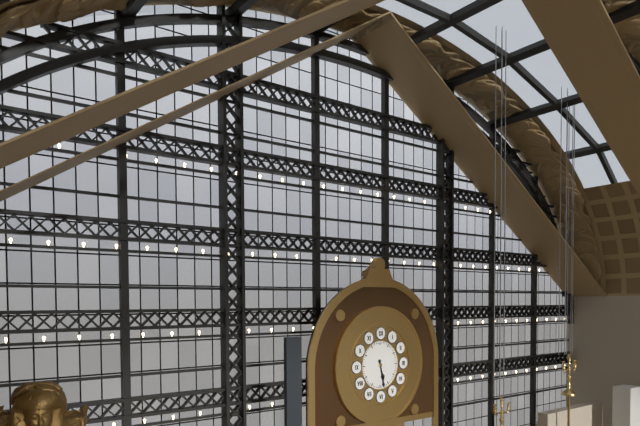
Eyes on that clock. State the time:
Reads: 5:28
